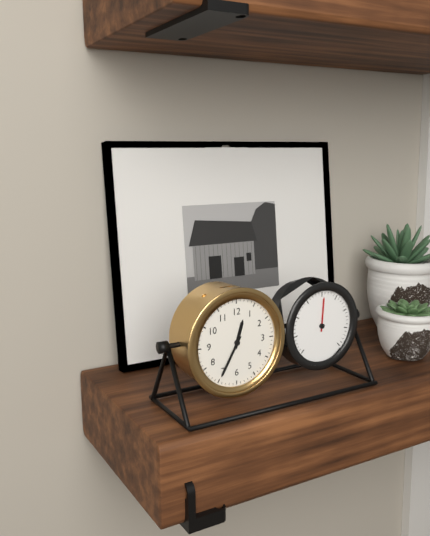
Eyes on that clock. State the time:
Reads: 12:35
